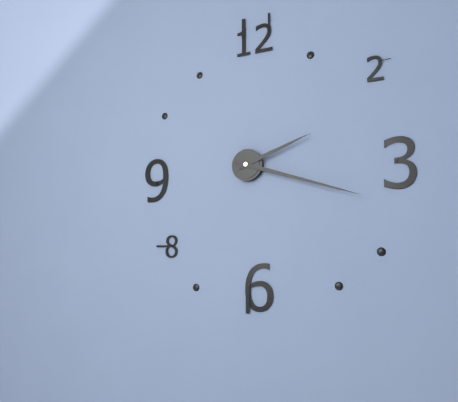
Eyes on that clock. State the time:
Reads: 2:18
